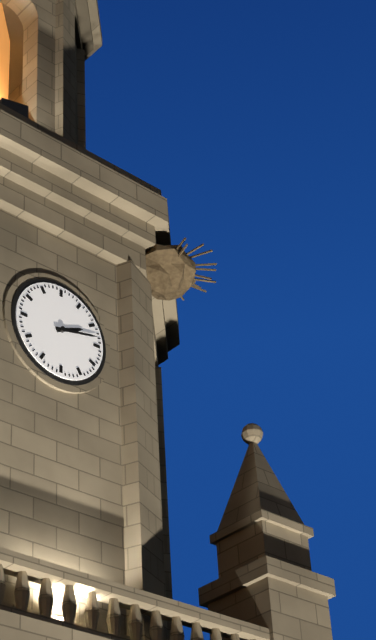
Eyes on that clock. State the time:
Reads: 2:13
